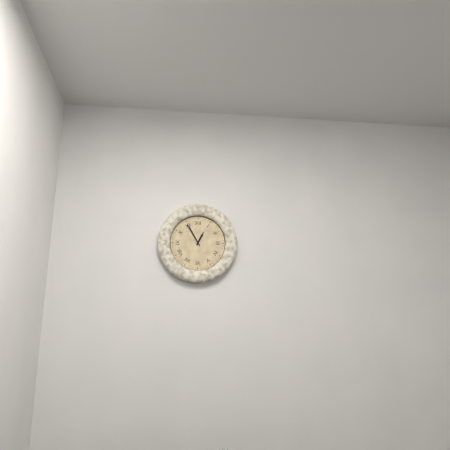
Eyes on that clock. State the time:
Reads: 12:55
